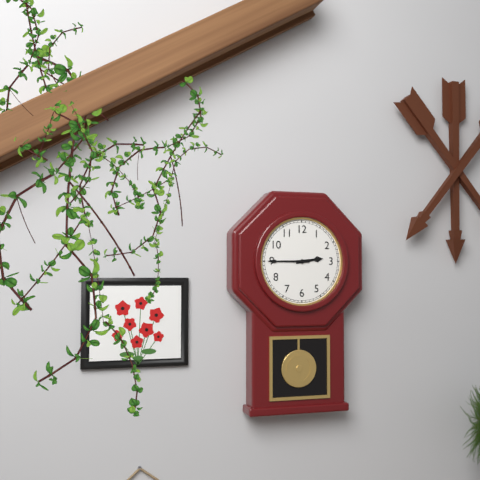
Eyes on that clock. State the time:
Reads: 2:45
